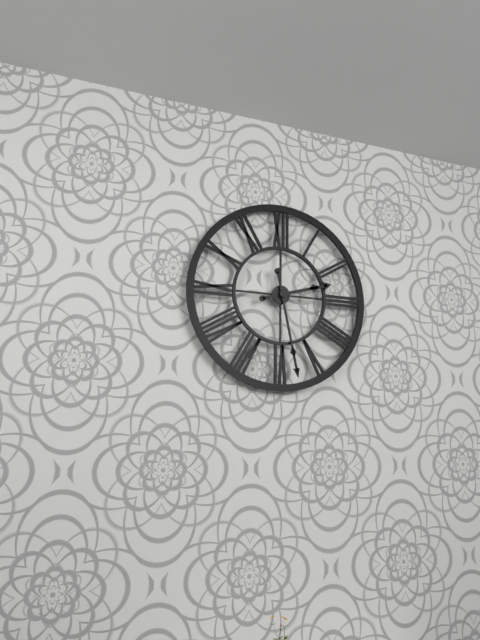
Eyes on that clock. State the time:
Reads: 2:28
